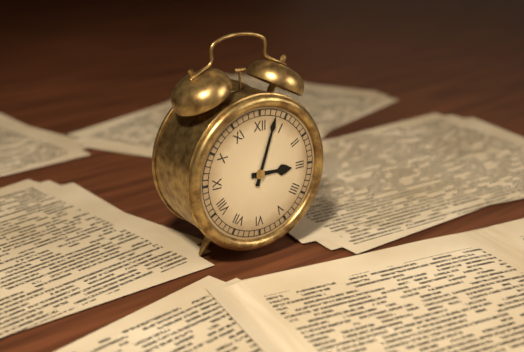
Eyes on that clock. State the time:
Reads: 3:03
